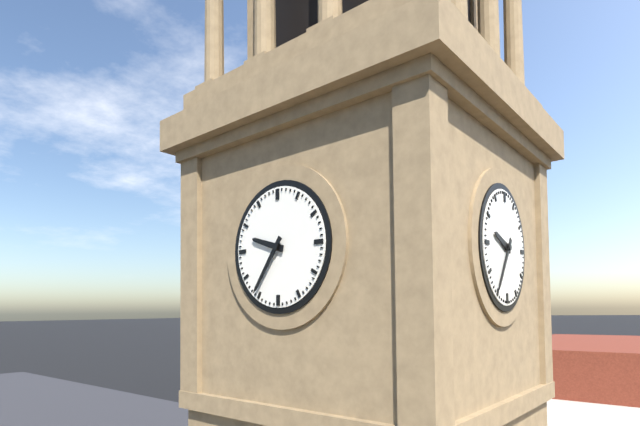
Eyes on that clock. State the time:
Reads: 9:36
